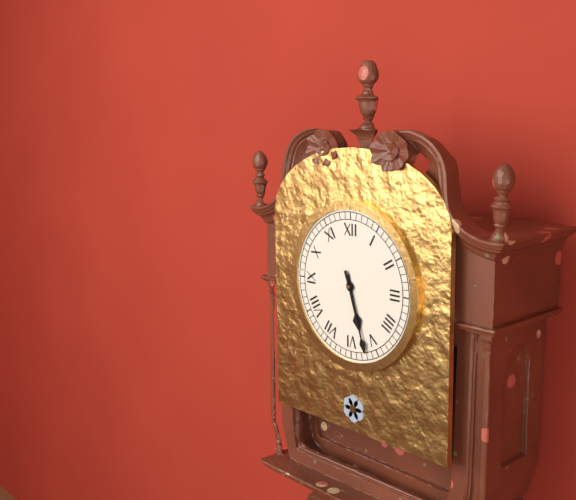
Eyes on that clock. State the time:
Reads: 5:27
